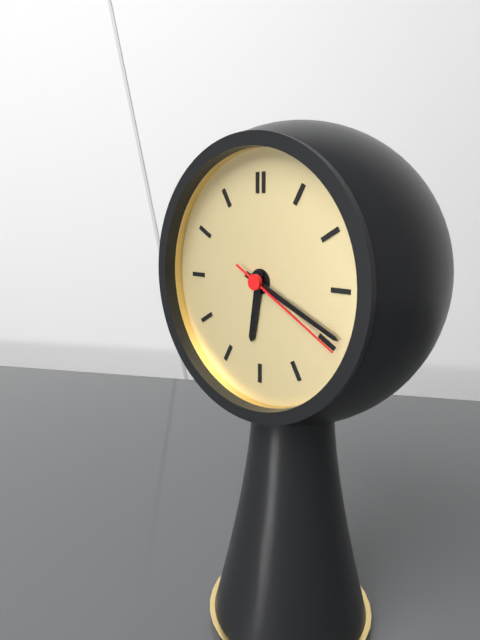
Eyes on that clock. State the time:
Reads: 6:19:20
